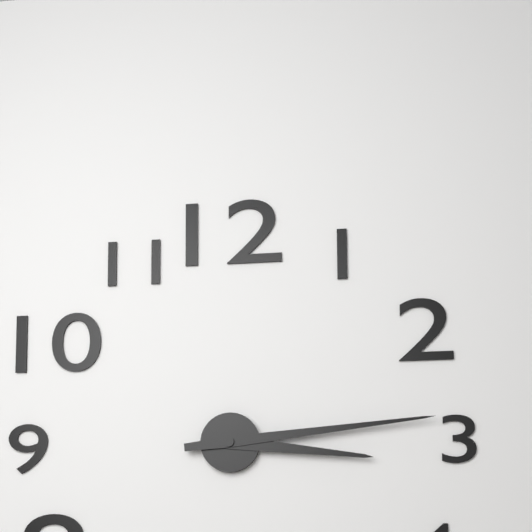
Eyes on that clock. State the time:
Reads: 3:14
